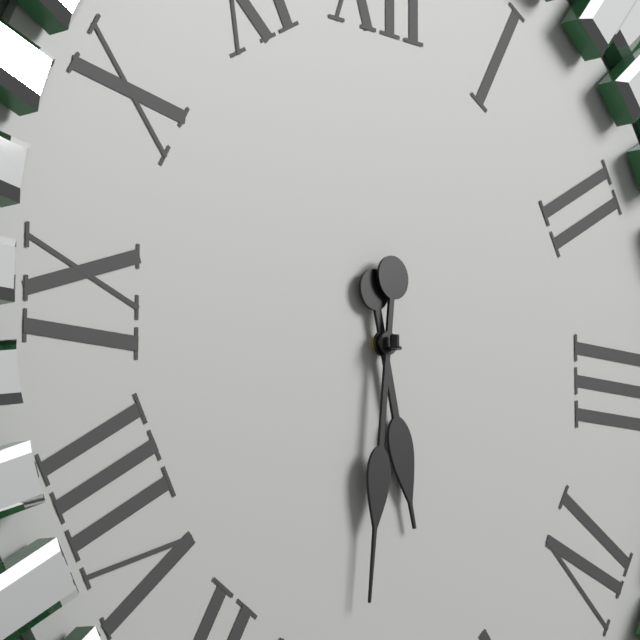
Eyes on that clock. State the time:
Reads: 5:31
